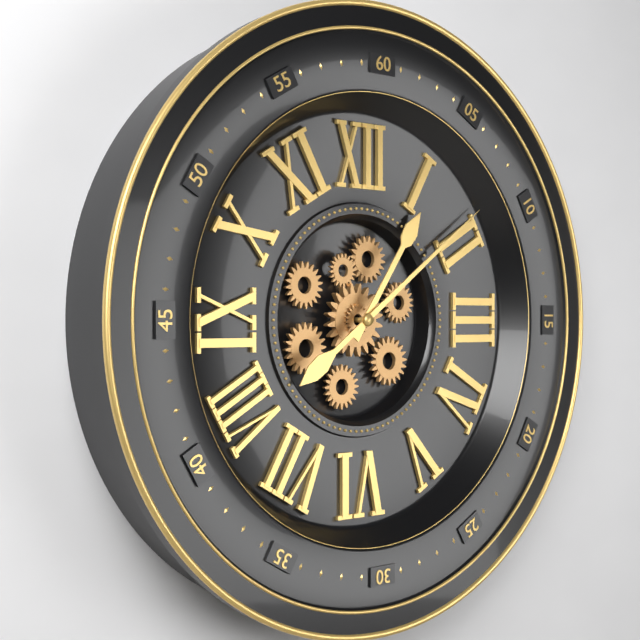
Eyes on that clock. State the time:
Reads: 1:09
